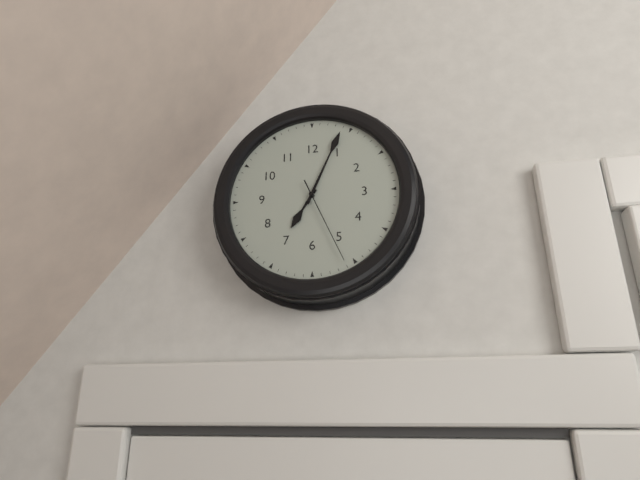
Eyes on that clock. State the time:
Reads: 7:04:26
